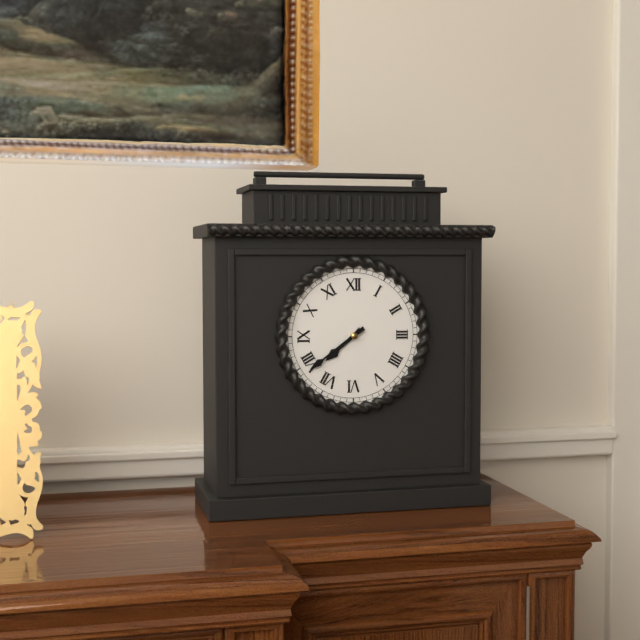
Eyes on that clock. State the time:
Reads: 7:39
